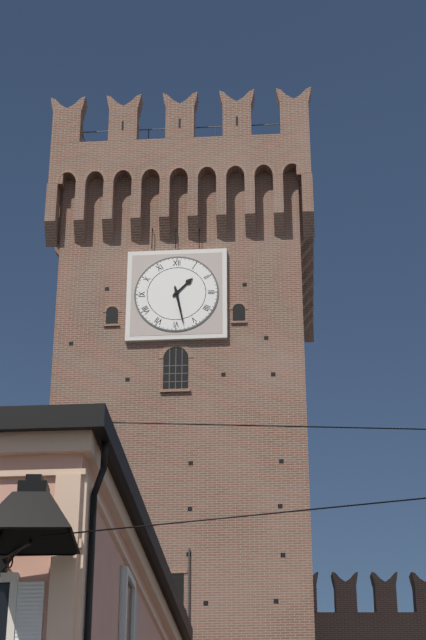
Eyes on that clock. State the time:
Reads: 1:28
